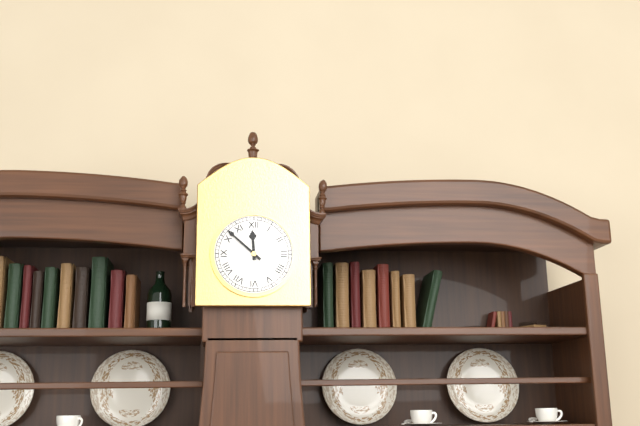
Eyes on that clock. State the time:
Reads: 11:52
